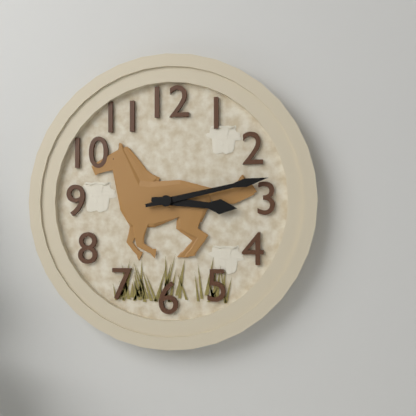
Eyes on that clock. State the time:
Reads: 3:13
